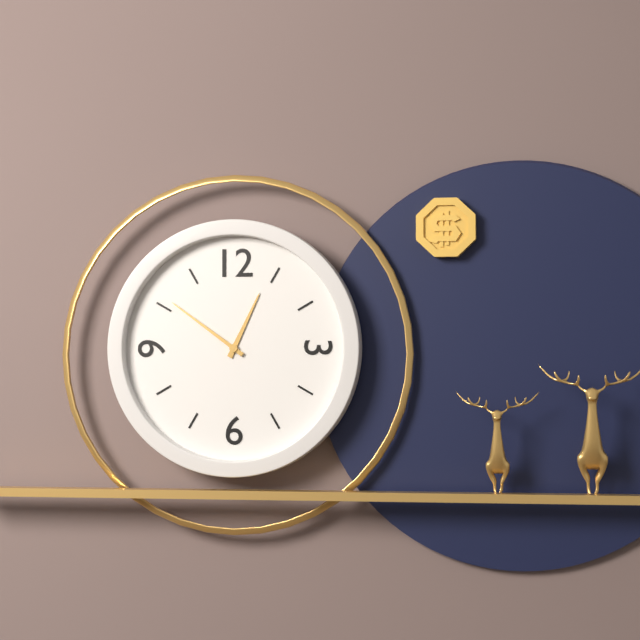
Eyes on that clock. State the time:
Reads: 12:51
